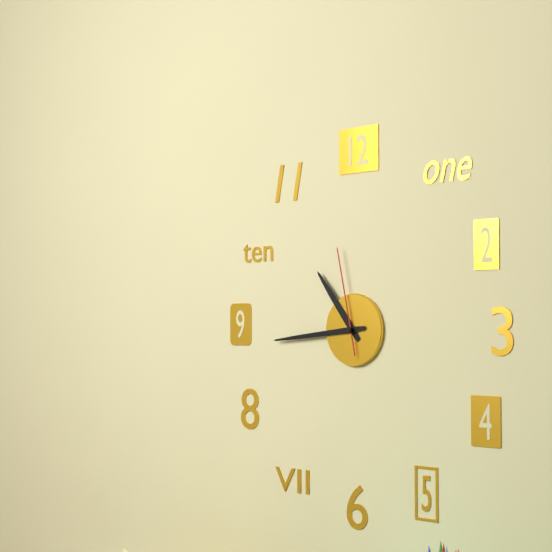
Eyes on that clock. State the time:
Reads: 10:44:58
